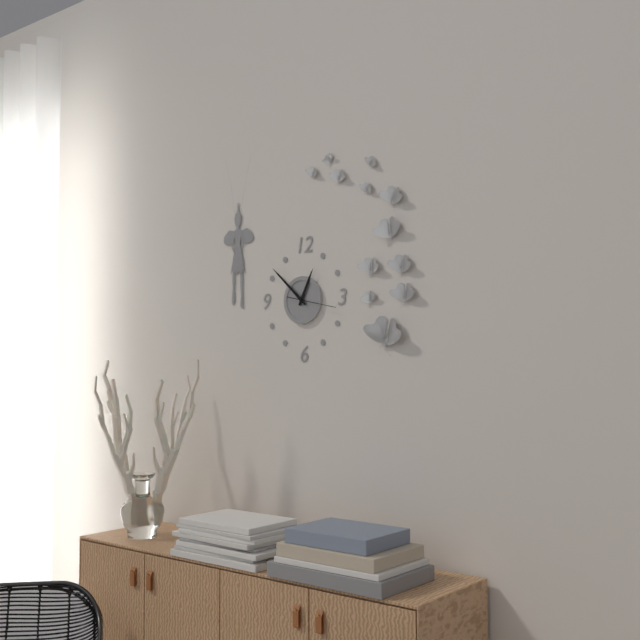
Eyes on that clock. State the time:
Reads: 12:52
